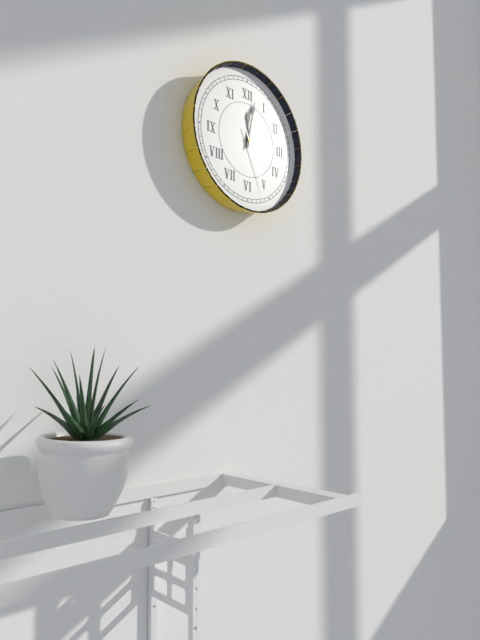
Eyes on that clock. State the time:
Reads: 12:02:26
